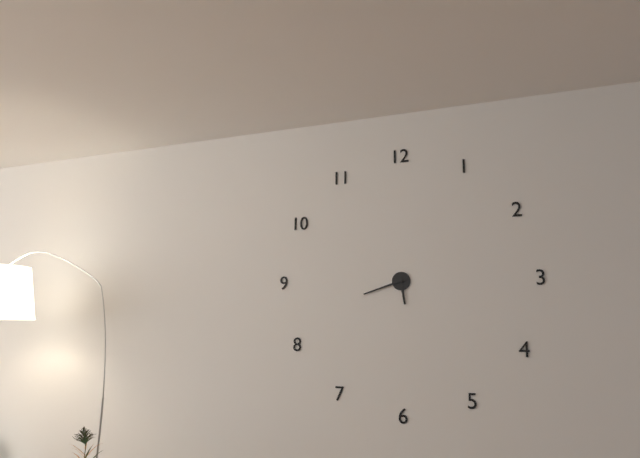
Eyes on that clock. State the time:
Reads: 5:42
